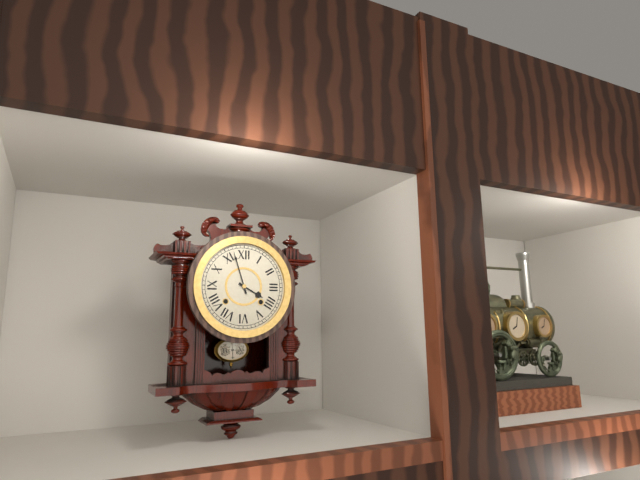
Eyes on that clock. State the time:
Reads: 3:57
